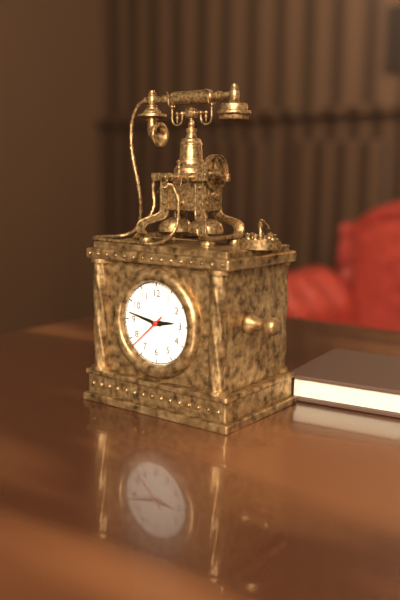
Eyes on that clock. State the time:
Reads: 2:47
